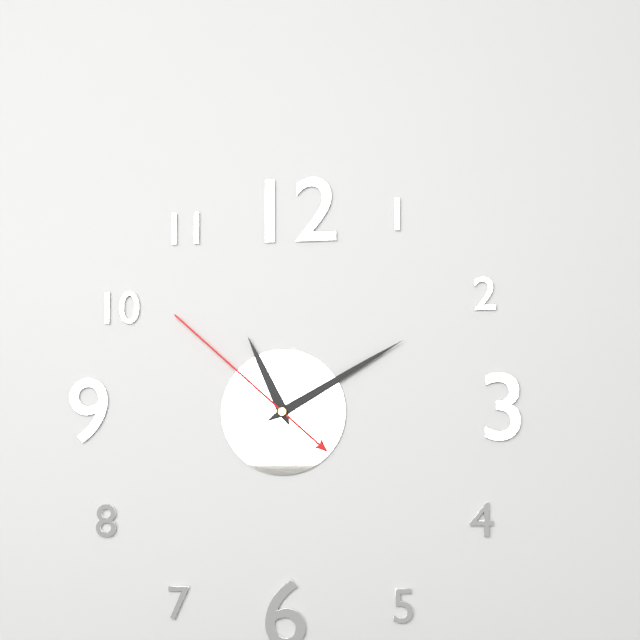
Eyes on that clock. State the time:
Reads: 11:10:52
